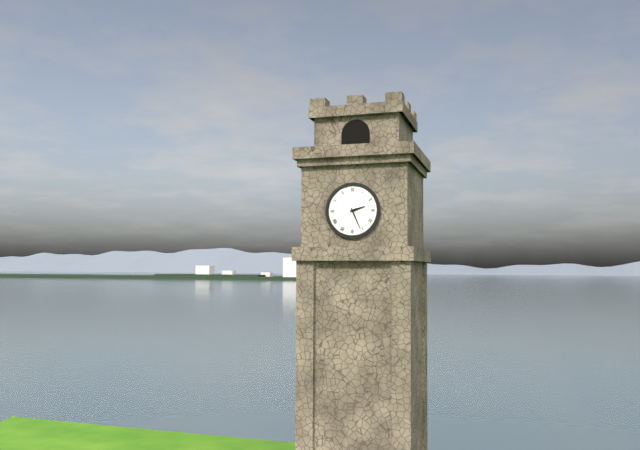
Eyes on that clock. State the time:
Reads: 2:26
